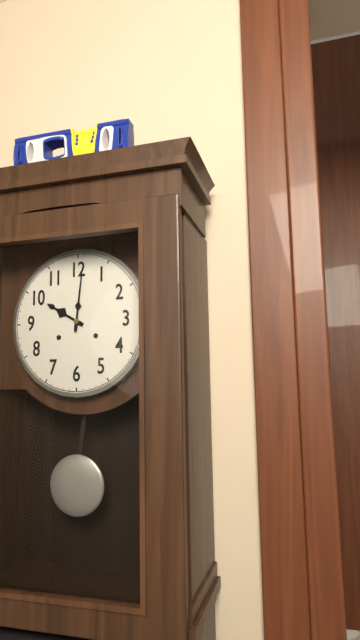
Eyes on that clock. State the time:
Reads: 10:01
